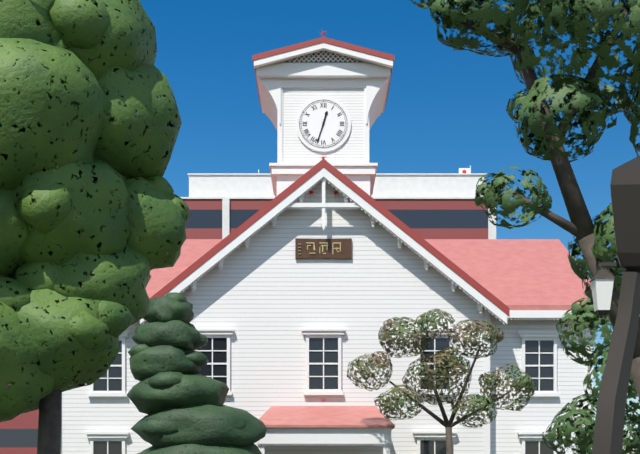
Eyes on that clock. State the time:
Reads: 12:33
